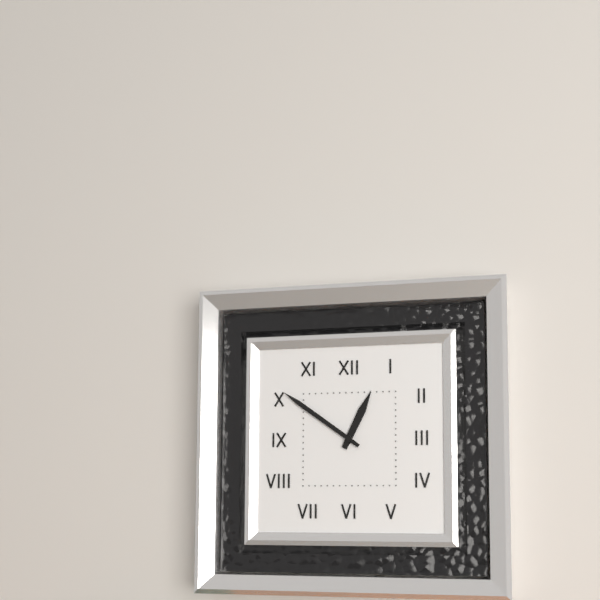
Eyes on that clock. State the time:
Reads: 12:51
